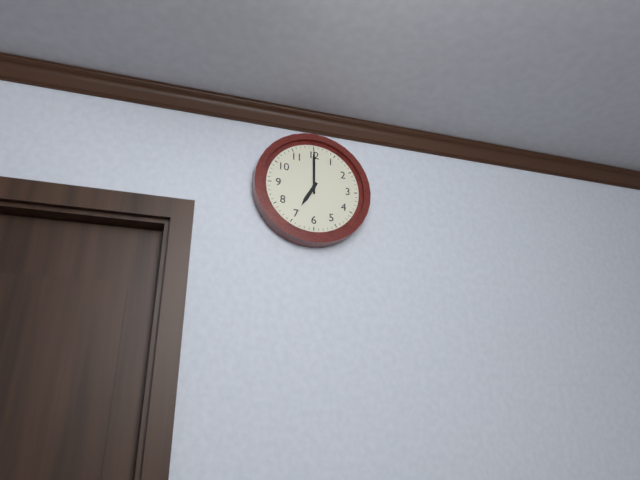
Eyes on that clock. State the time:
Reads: 7:00
